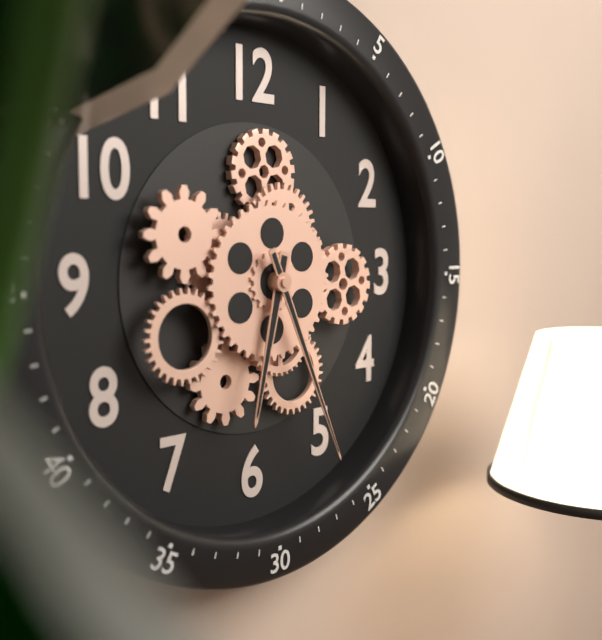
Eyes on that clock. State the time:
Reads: 6:26
